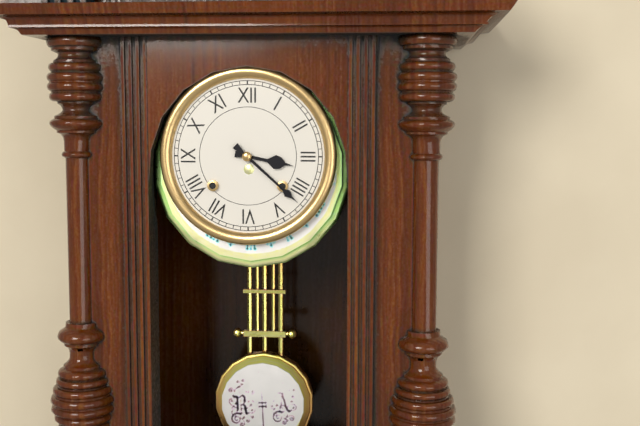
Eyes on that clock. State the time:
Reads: 3:22
